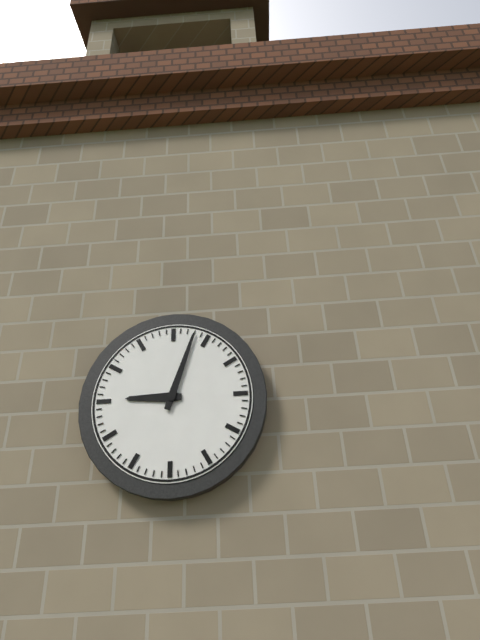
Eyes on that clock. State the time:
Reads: 9:03
